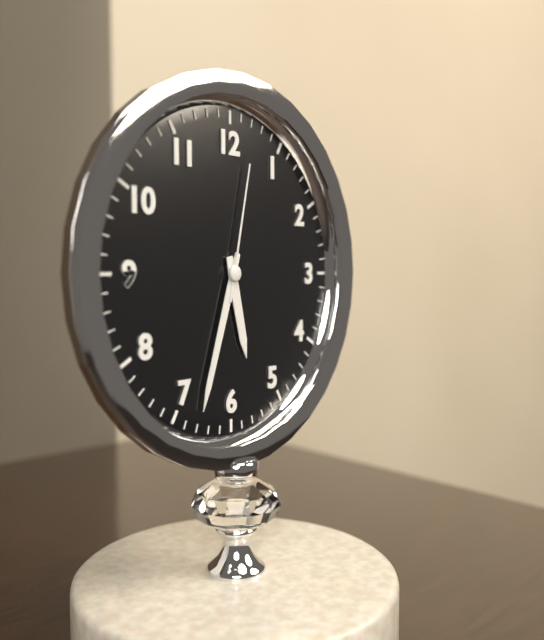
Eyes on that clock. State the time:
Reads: 5:33:02
